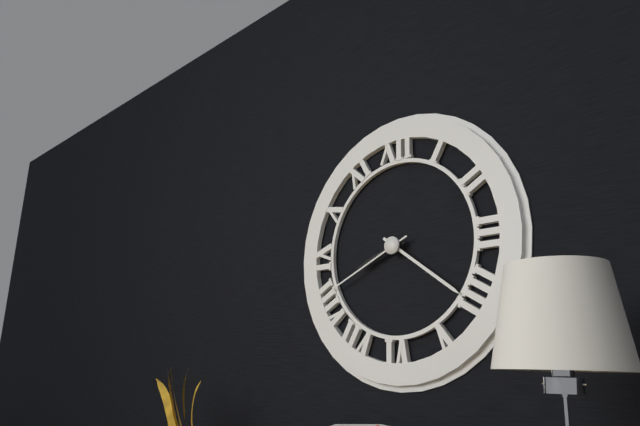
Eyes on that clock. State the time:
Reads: 8:21:41
